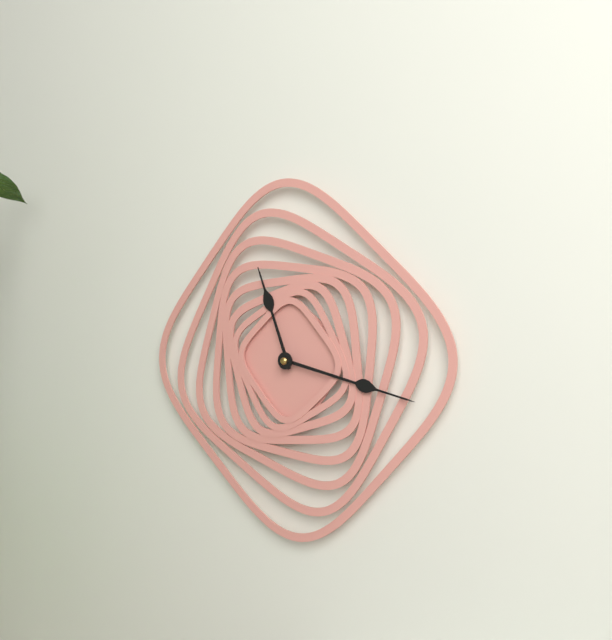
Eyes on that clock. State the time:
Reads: 11:17
